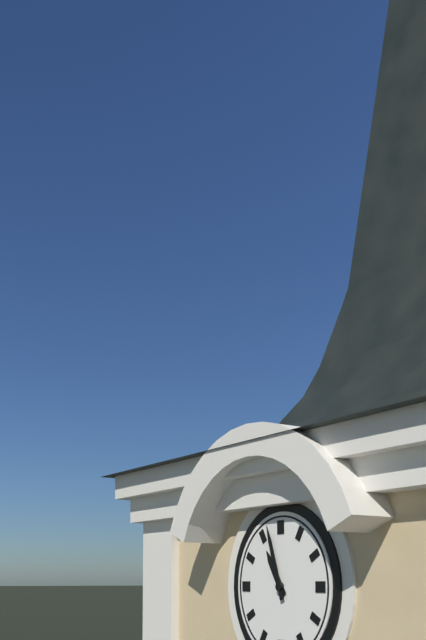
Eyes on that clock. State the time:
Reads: 10:57
